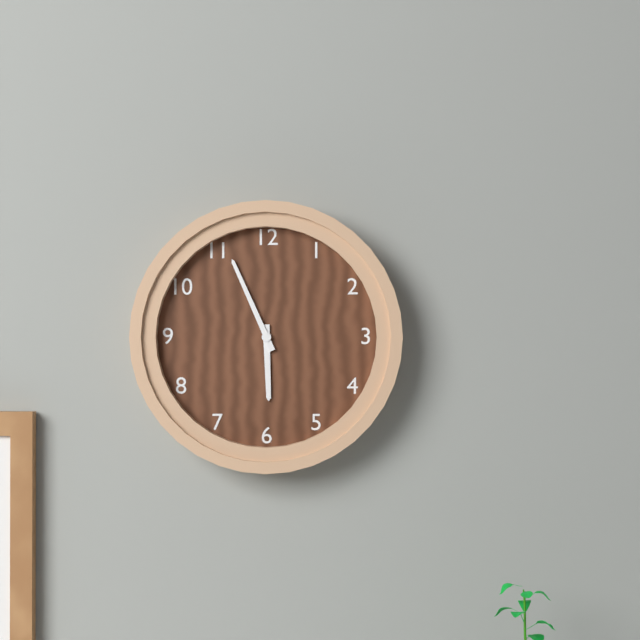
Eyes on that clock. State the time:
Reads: 5:56
